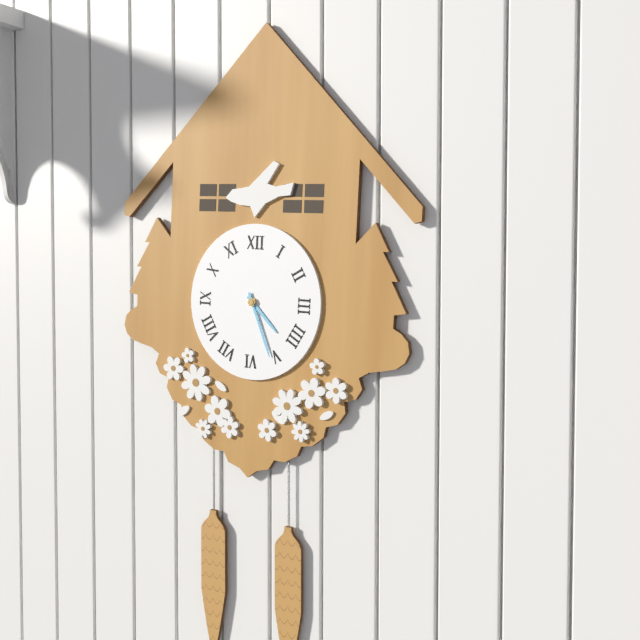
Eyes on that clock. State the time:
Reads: 4:26
